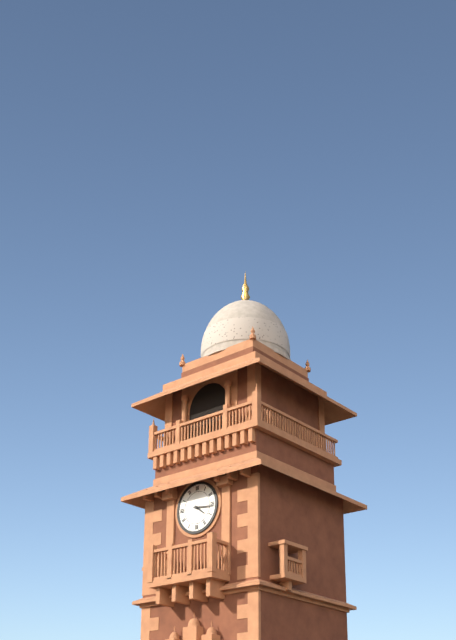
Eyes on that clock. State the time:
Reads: 4:16
